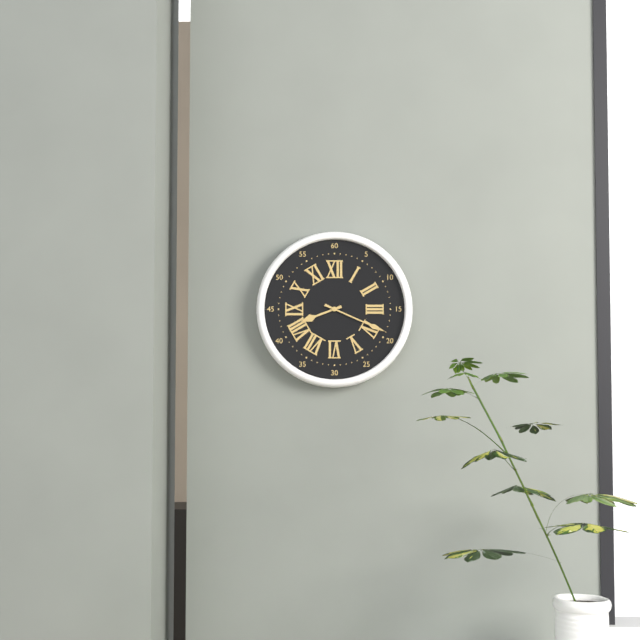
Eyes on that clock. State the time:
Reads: 8:19
